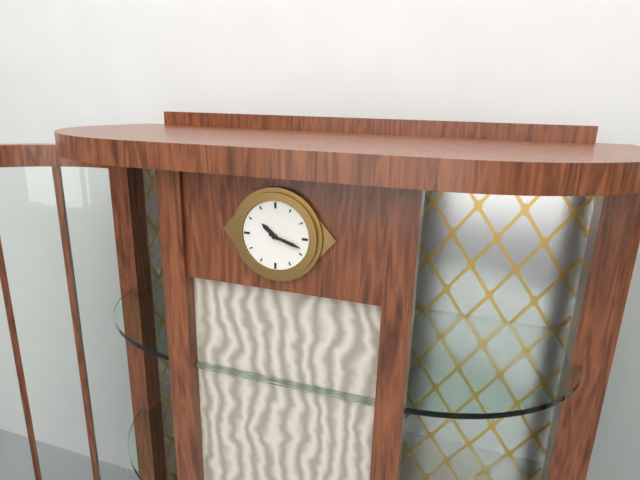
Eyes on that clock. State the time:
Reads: 10:18
